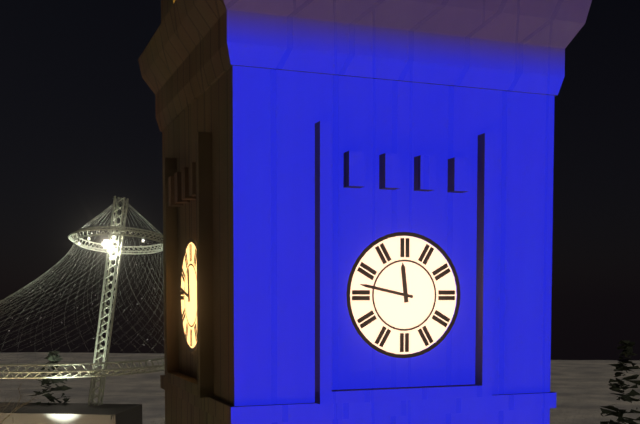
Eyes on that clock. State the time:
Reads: 11:47
